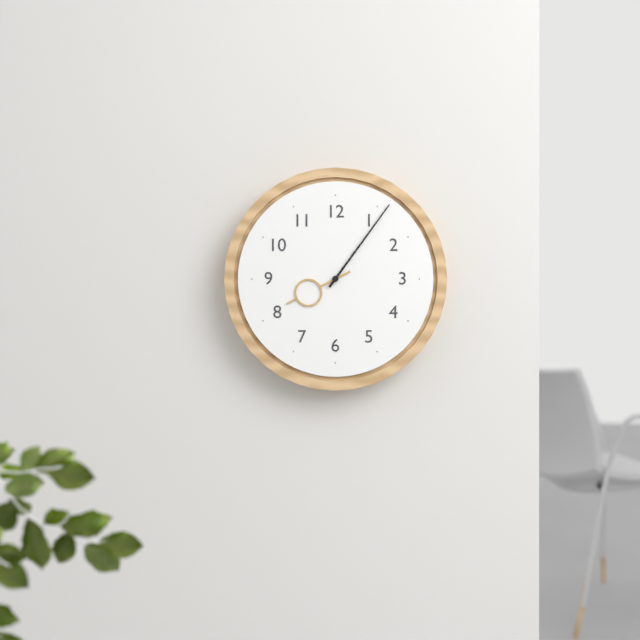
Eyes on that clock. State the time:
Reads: 8:06
